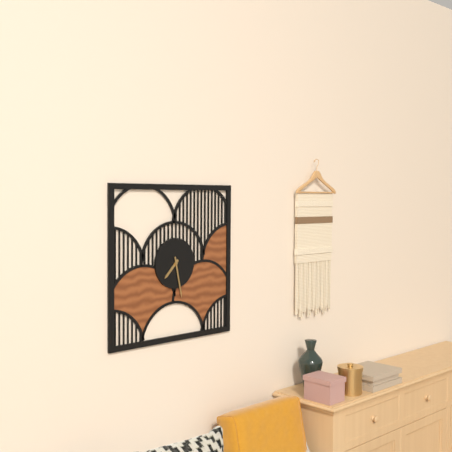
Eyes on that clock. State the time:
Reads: 7:28
